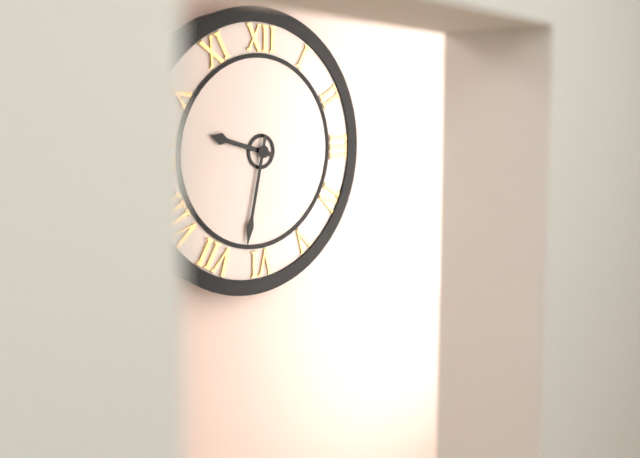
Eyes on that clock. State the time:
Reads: 9:32
